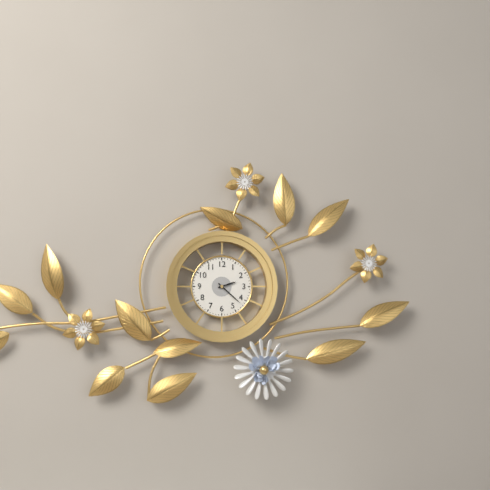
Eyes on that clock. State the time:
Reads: 2:22
